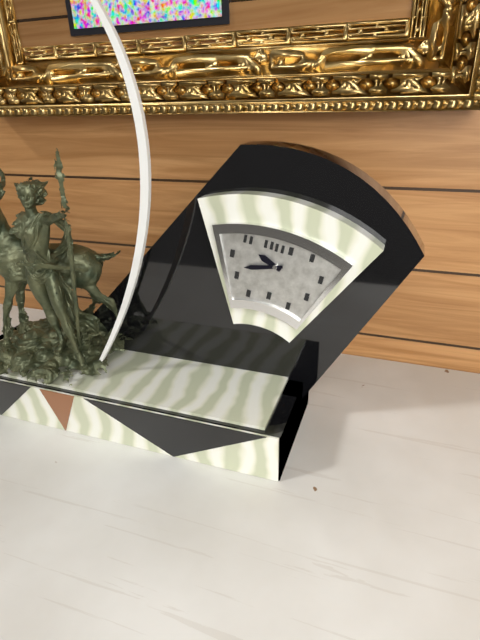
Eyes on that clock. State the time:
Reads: 9:42
